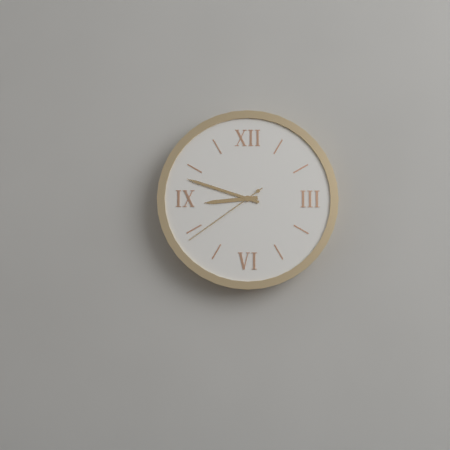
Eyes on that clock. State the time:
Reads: 8:48:39
